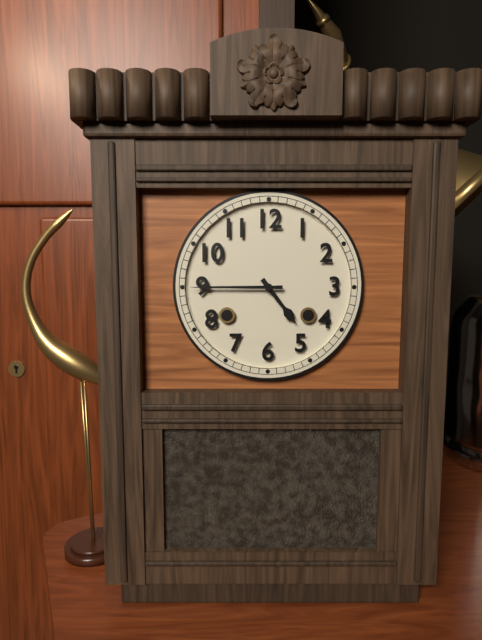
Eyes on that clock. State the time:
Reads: 4:45
